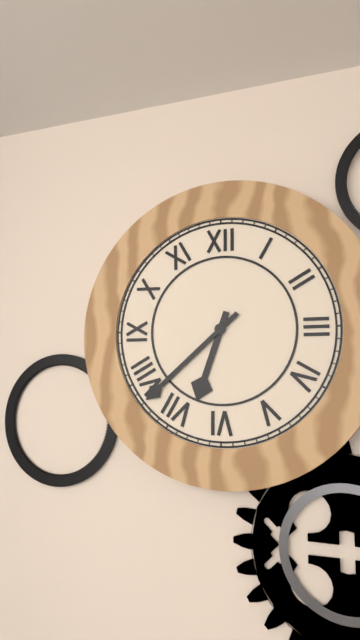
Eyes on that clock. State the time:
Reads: 6:38
